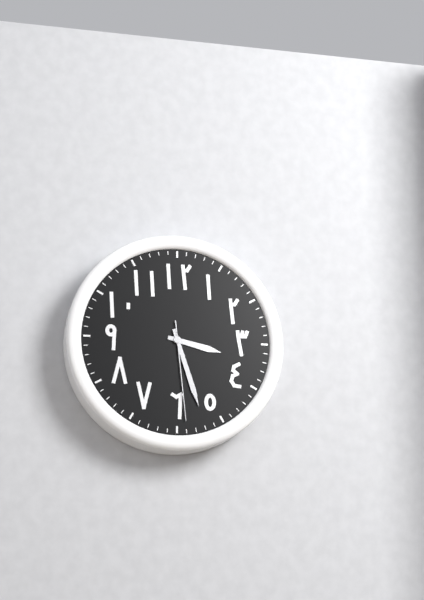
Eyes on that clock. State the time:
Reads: 3:27:29
